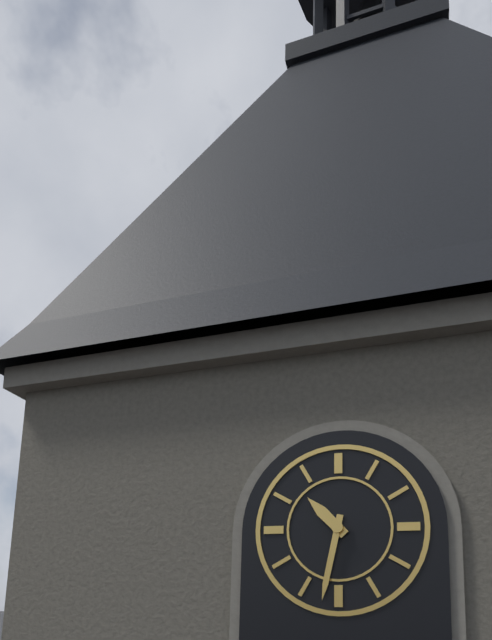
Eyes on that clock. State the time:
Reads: 10:32
